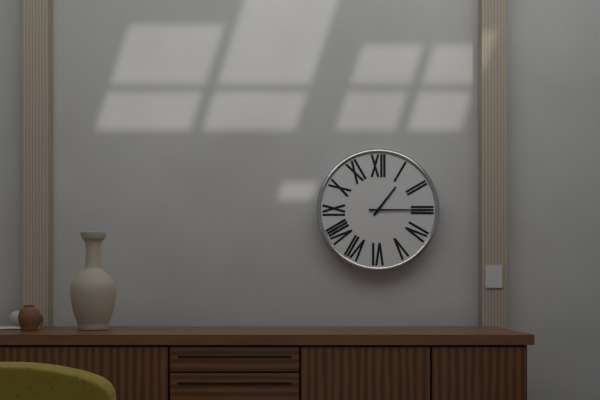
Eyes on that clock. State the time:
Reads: 1:15
